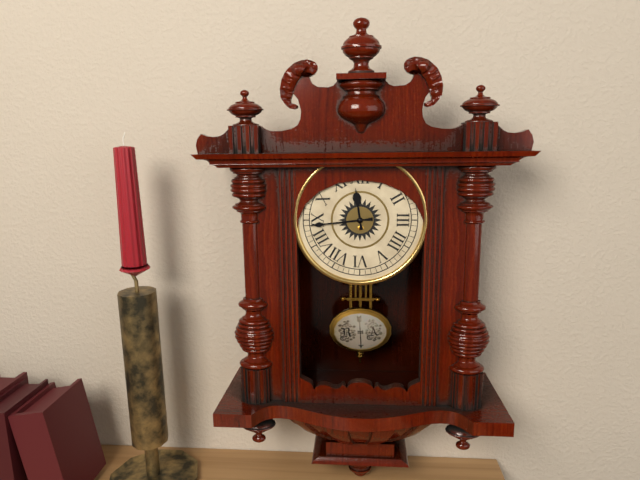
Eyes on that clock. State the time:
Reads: 11:44
